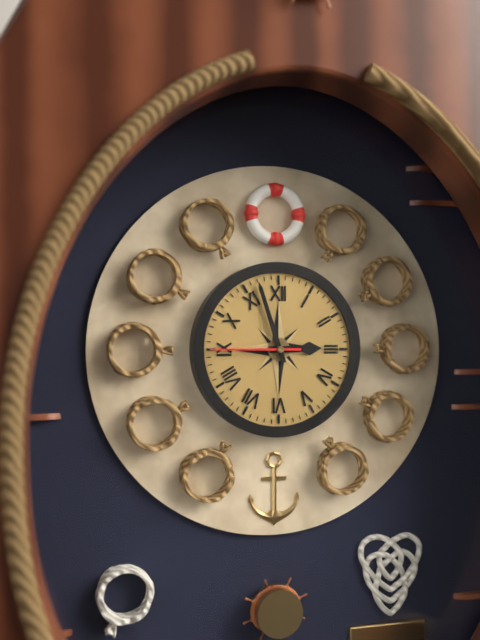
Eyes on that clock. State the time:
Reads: 2:57:45
